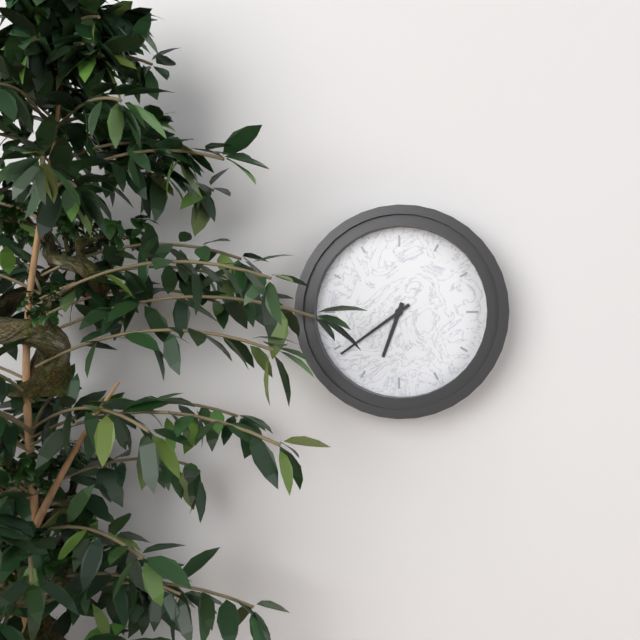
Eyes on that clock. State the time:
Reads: 6:39
